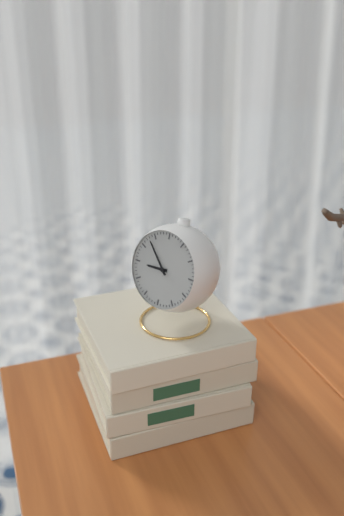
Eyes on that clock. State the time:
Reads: 8:53
